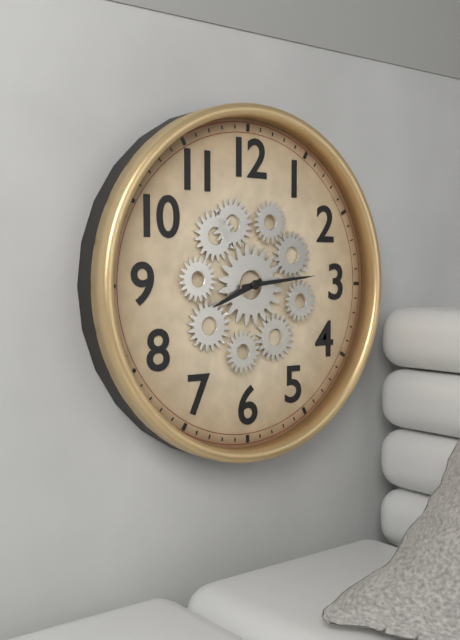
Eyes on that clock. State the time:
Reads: 8:14
